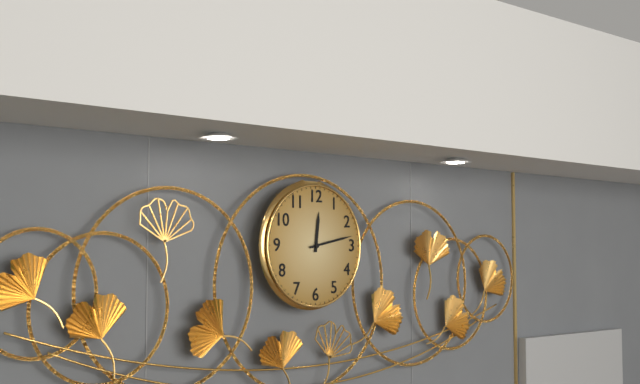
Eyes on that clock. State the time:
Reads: 12:13
